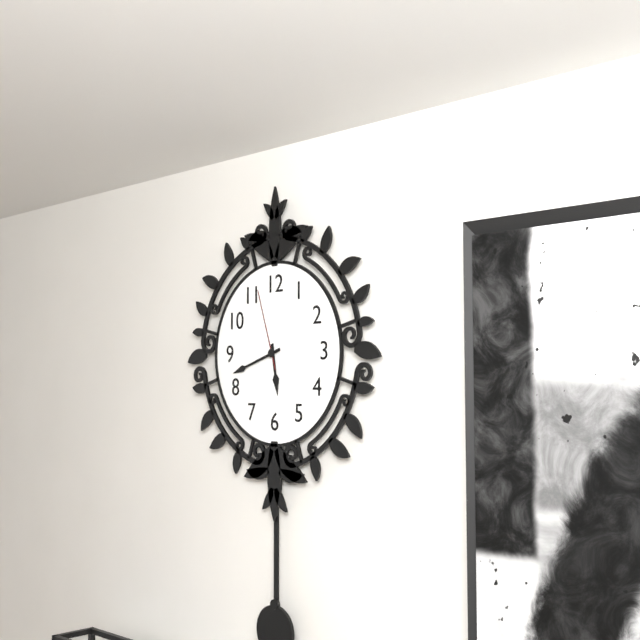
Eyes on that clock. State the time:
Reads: 5:42:57
